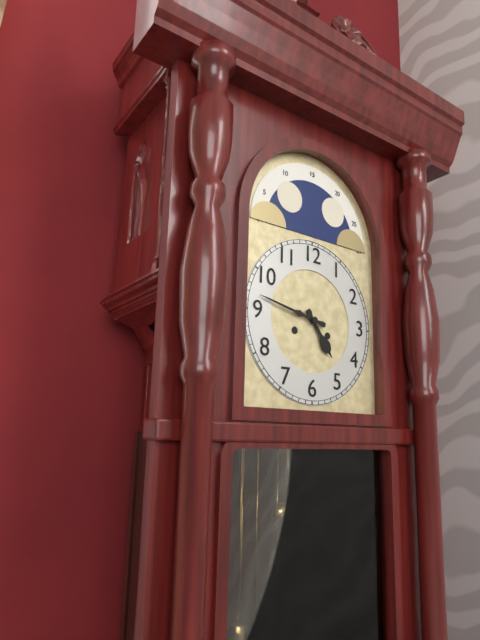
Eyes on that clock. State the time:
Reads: 4:47
